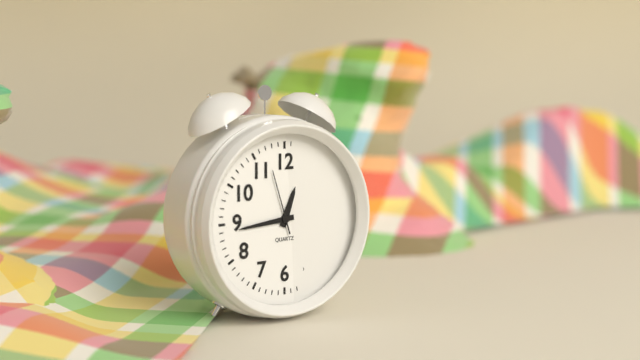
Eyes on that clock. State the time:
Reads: 12:44:57
